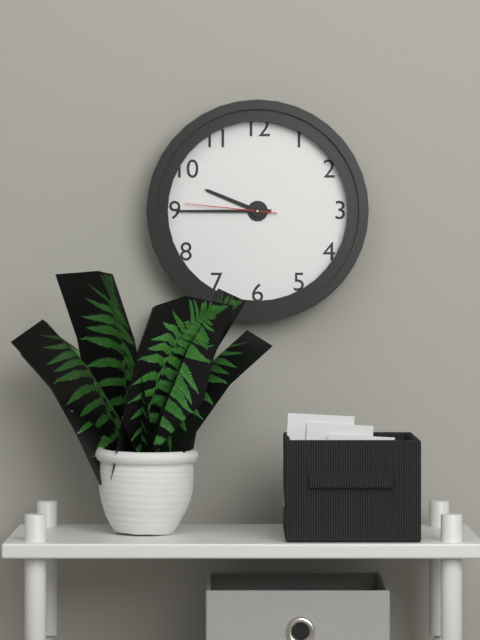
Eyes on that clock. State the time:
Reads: 9:45:46
